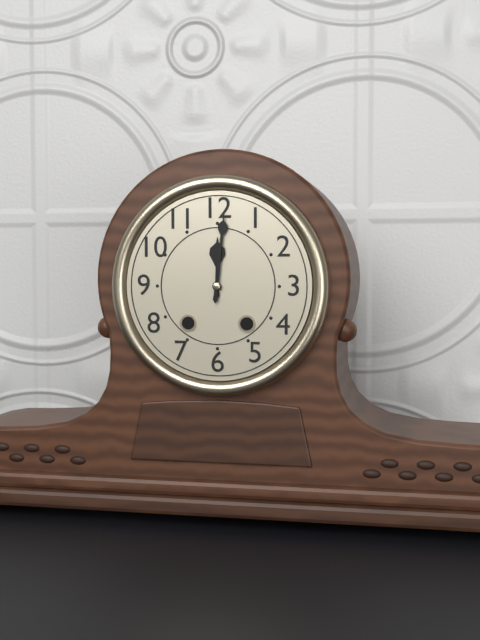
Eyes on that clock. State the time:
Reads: 12:01
